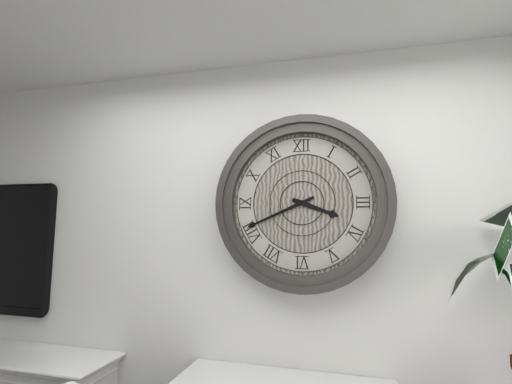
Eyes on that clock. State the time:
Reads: 3:41
